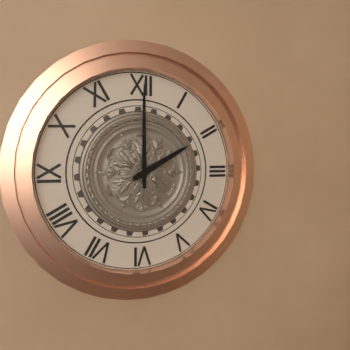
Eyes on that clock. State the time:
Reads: 2:00
